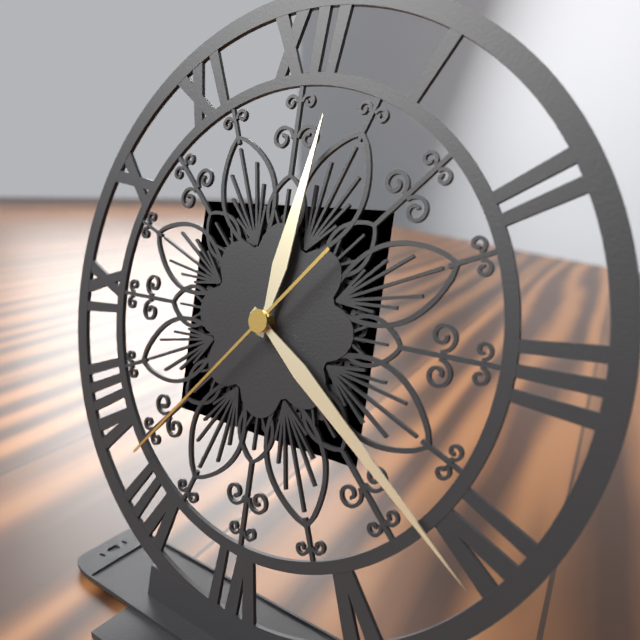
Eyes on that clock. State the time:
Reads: 12:21:37
